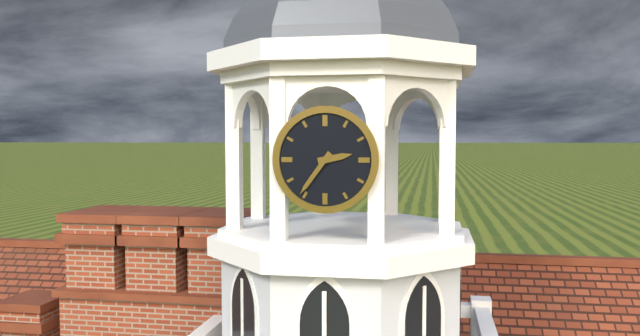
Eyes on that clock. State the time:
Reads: 2:36
